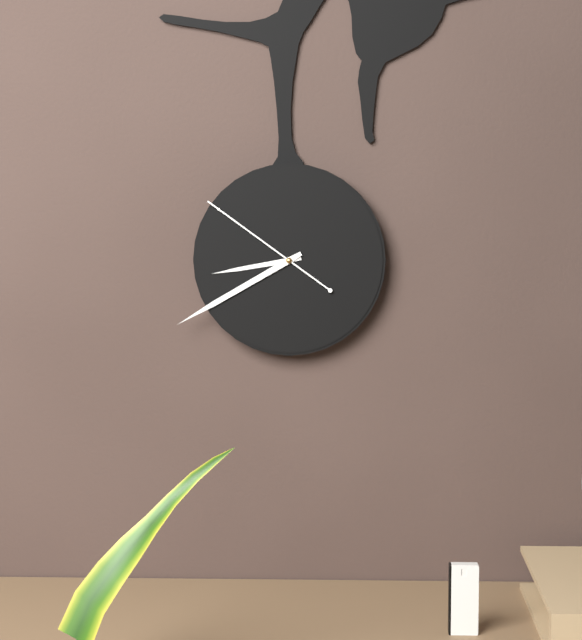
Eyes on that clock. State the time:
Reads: 8:40:51
